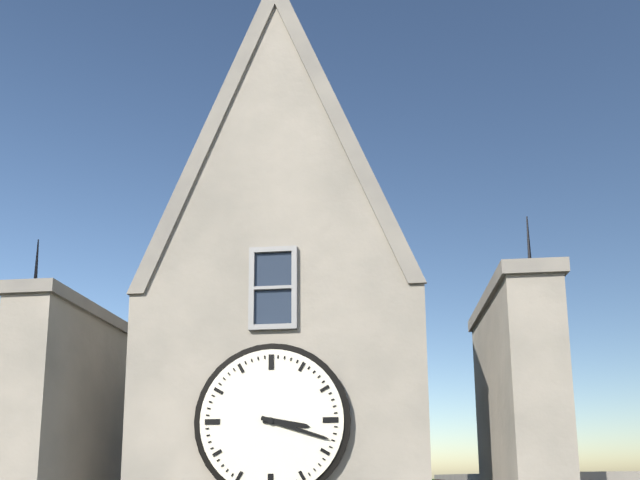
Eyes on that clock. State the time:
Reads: 3:18
